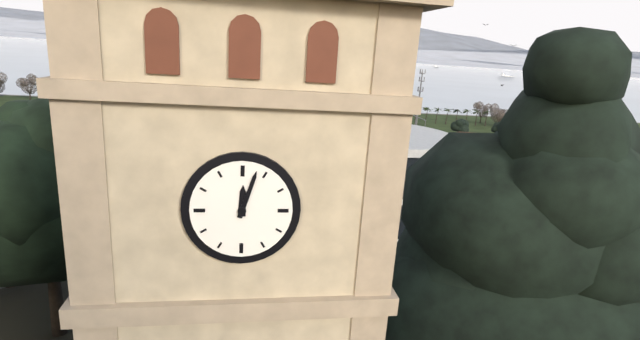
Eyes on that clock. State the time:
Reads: 12:03
